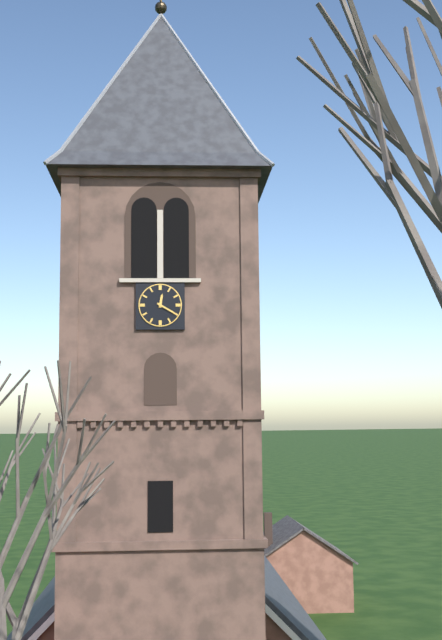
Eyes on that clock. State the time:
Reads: 12:20
